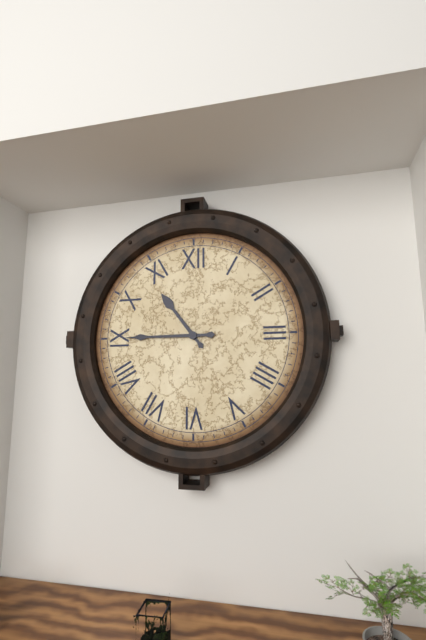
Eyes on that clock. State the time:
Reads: 10:45
